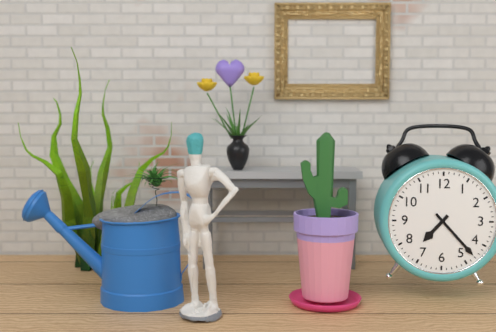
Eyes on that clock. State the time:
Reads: 7:23
